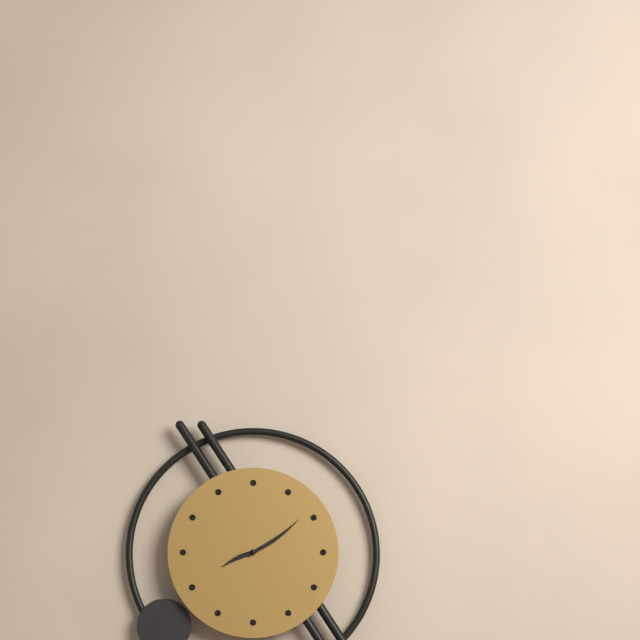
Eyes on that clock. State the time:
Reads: 8:09
